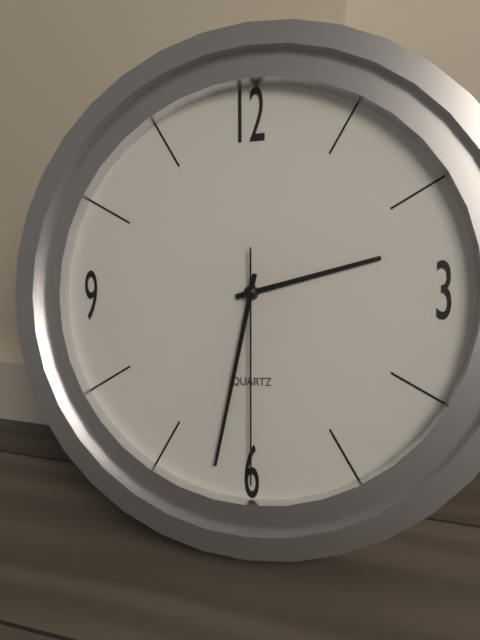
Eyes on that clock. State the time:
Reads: 2:32:30
